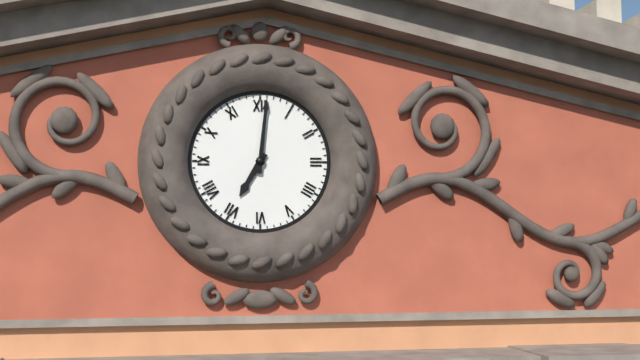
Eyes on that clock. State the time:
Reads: 7:01
